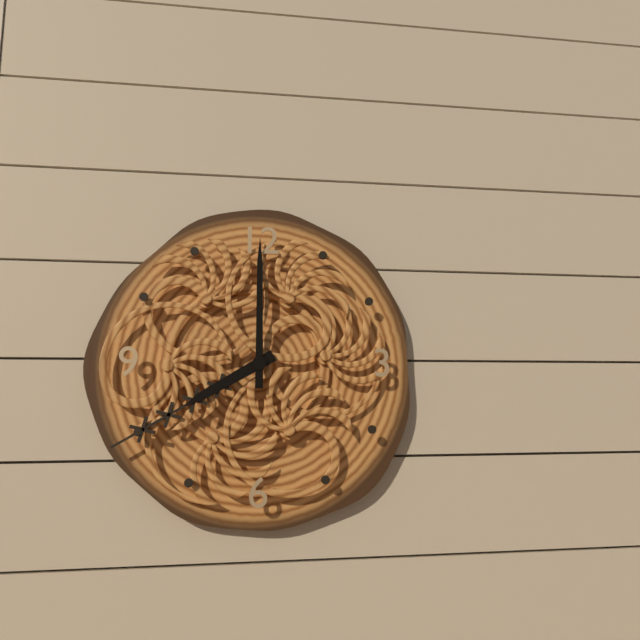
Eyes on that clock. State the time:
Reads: 8:00
